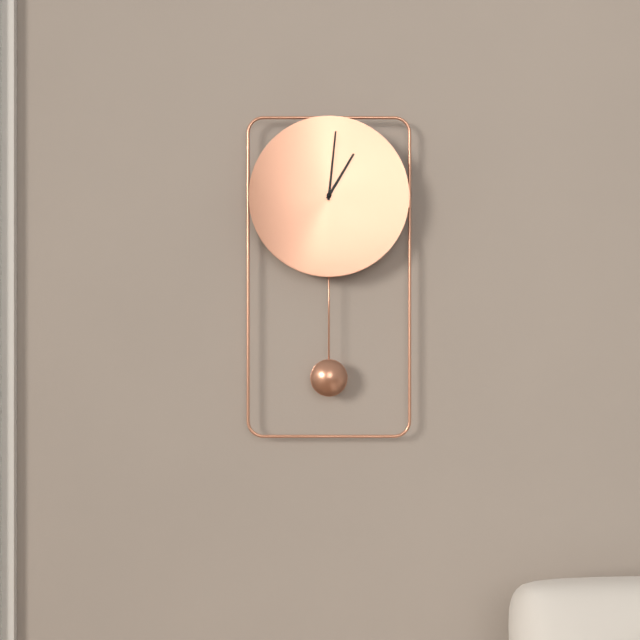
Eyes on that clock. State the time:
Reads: 1:01
